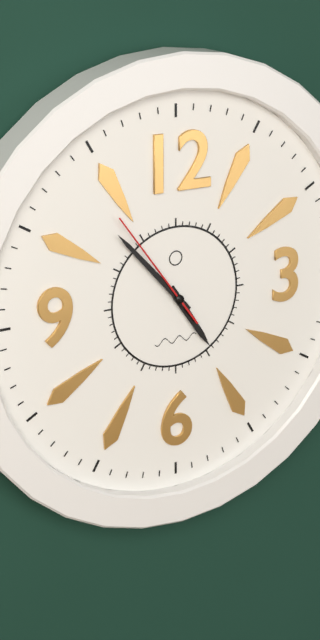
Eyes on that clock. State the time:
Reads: 4:53:54
